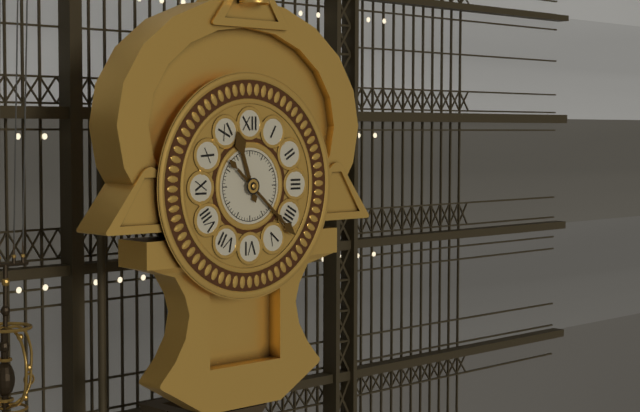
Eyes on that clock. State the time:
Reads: 11:22
